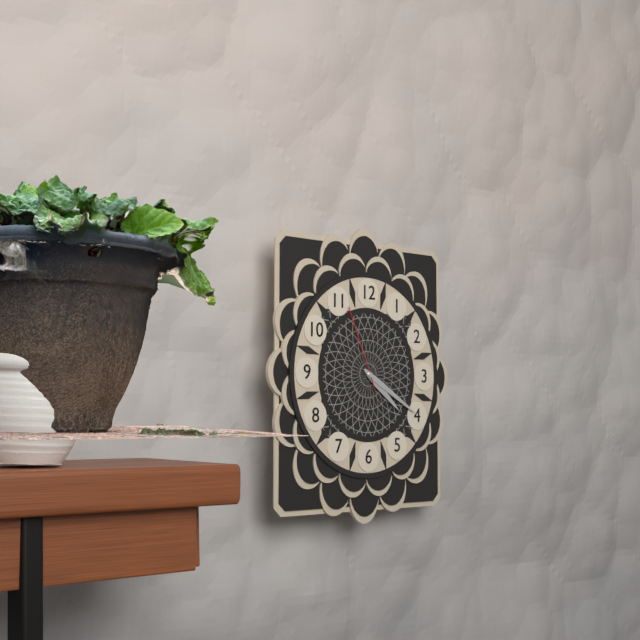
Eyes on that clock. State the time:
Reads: 4:20:56
